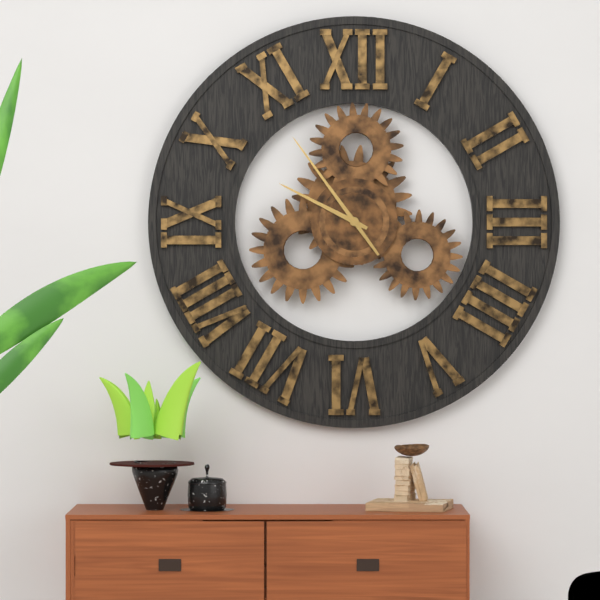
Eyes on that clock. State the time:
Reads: 9:54
